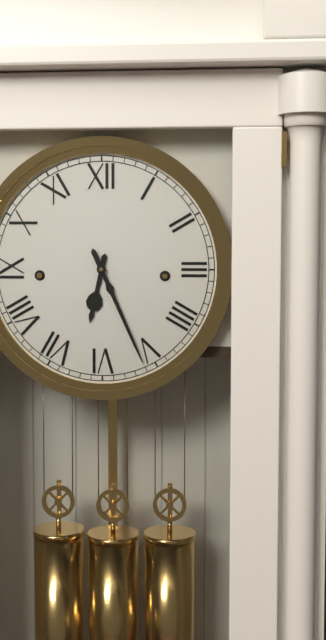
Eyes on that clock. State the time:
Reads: 6:26
